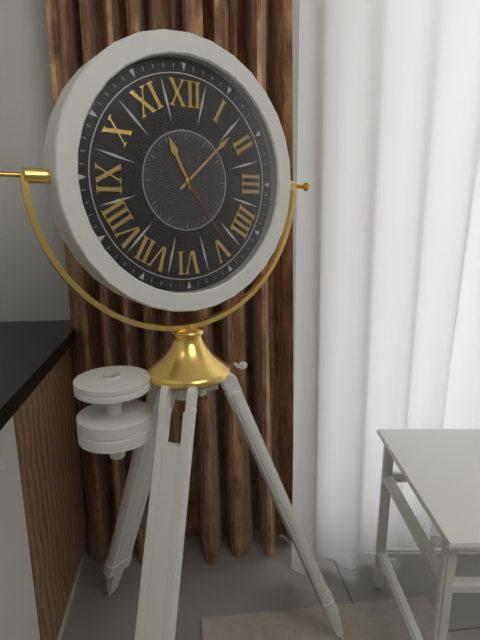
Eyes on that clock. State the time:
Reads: 11:08:24
